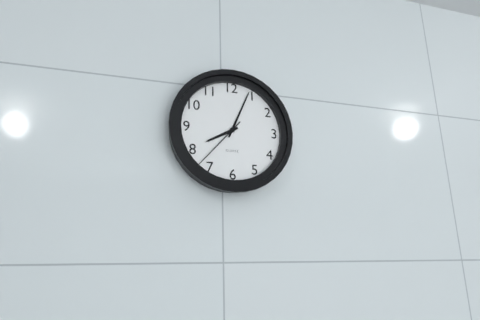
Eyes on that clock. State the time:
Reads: 8:04:37
